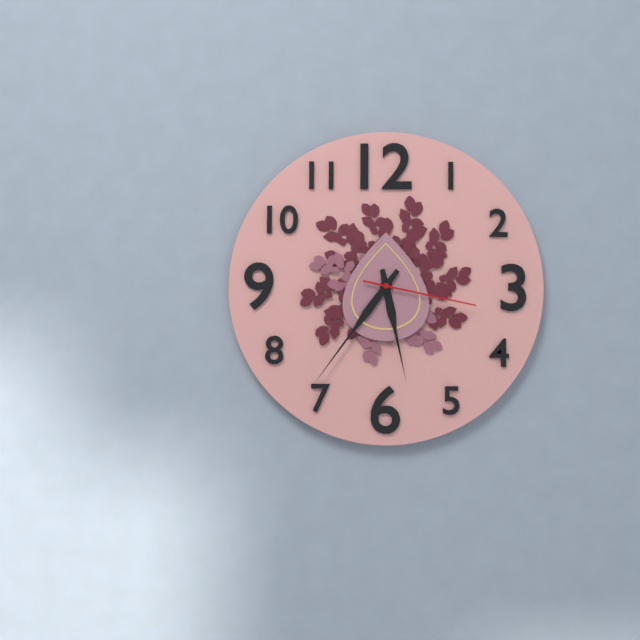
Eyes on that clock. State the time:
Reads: 5:36:17
